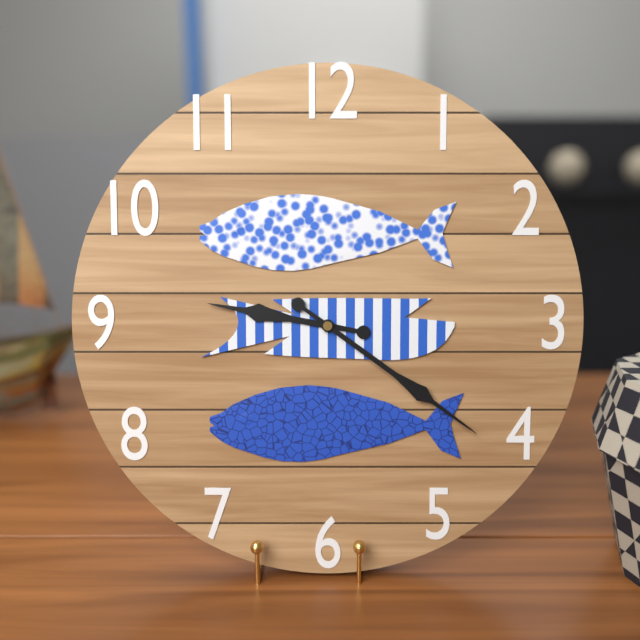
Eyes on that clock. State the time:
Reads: 9:21
